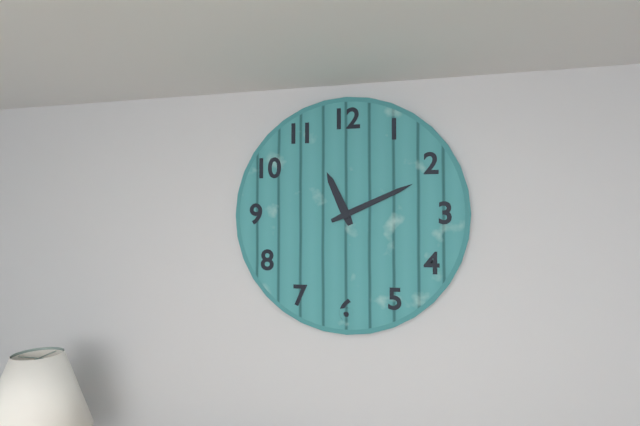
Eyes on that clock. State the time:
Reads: 11:11
